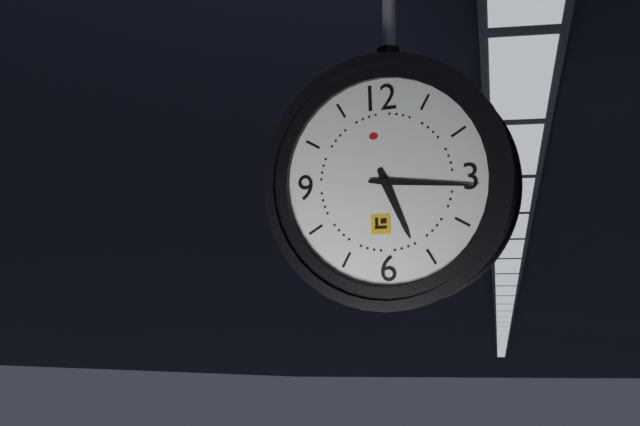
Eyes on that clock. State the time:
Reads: 5:16
